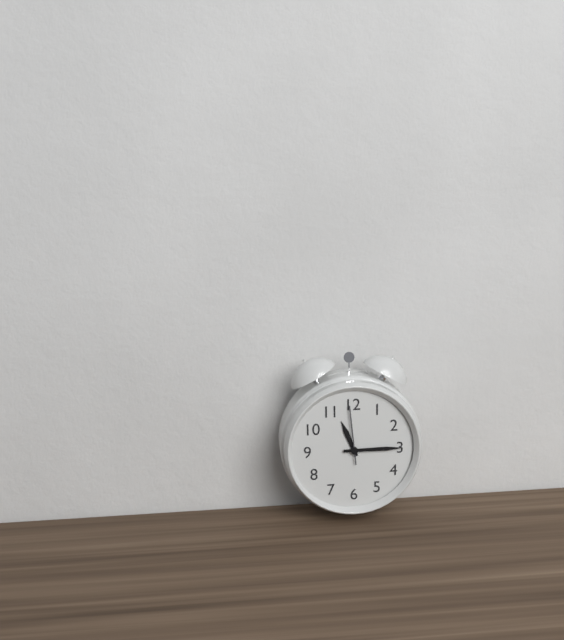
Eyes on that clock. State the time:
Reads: 11:15:59
